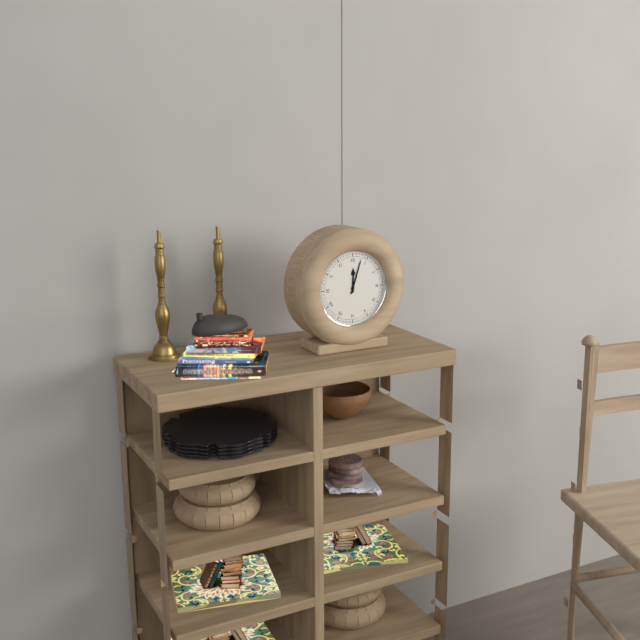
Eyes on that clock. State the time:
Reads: 12:03
